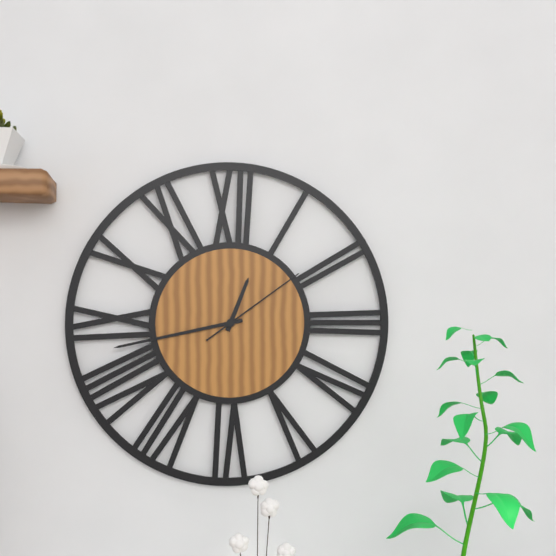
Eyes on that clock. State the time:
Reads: 12:43:09
